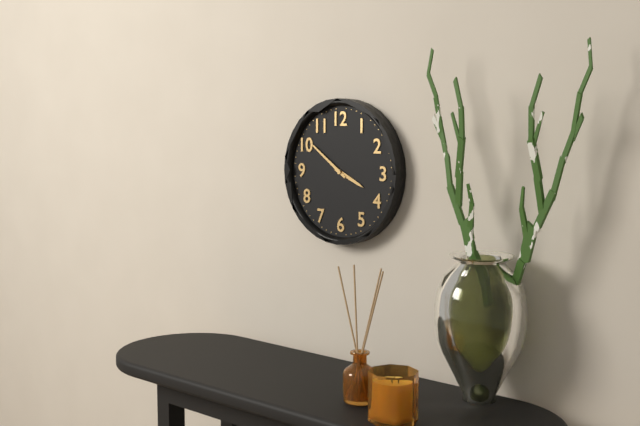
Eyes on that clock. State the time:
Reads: 3:51
